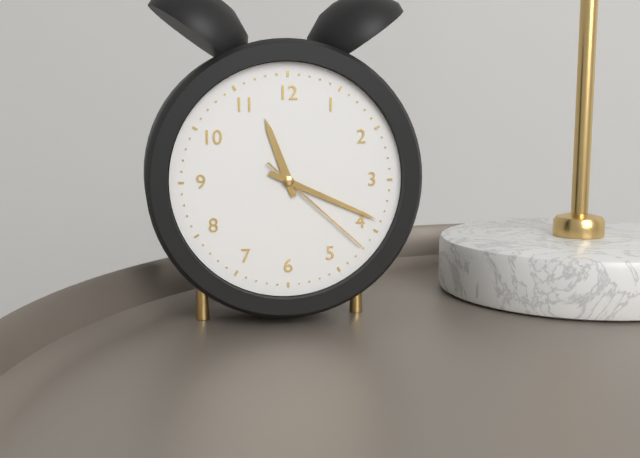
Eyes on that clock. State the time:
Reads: 11:19:22
